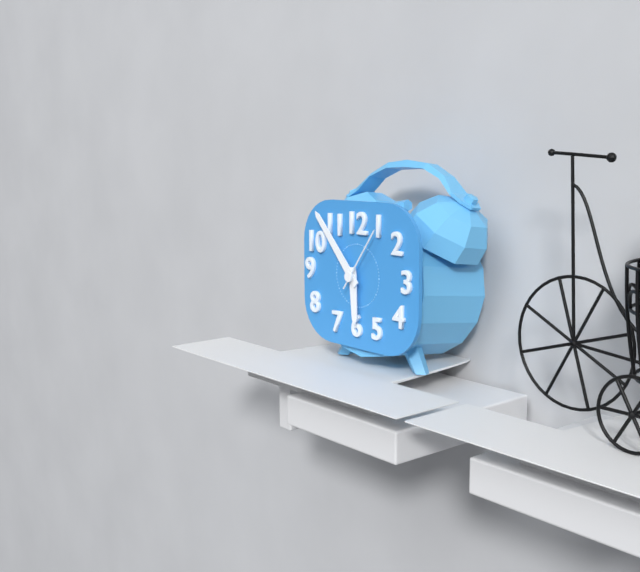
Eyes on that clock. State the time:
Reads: 5:53:06
